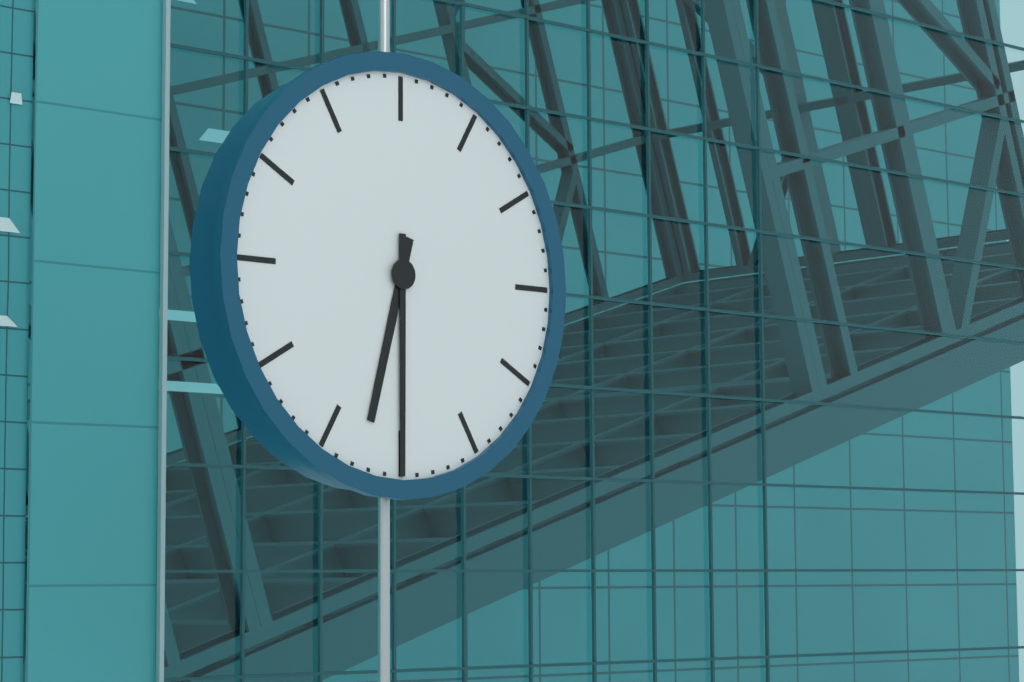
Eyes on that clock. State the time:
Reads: 6:30
